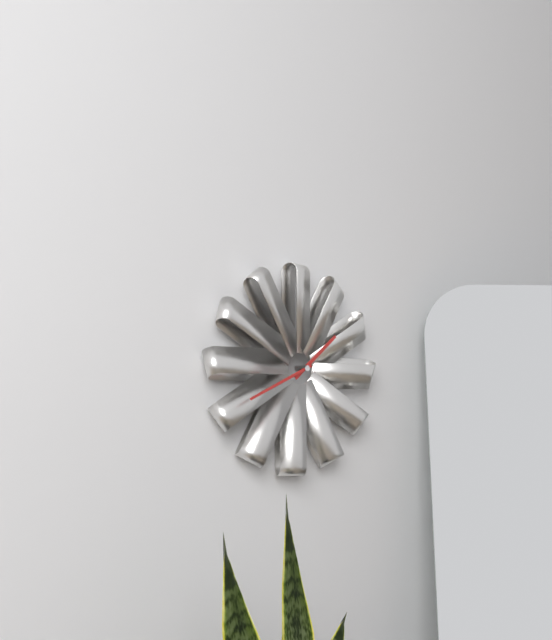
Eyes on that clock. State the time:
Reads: 1:41
